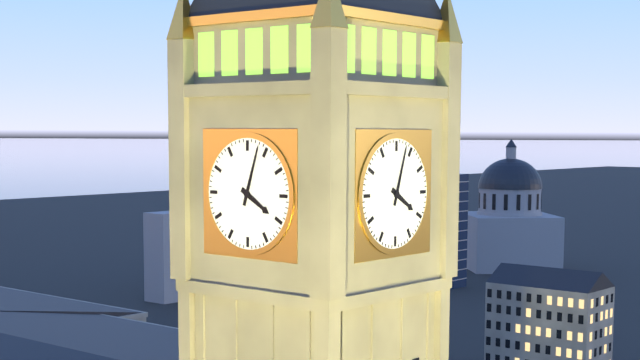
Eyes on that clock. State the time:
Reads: 4:03
